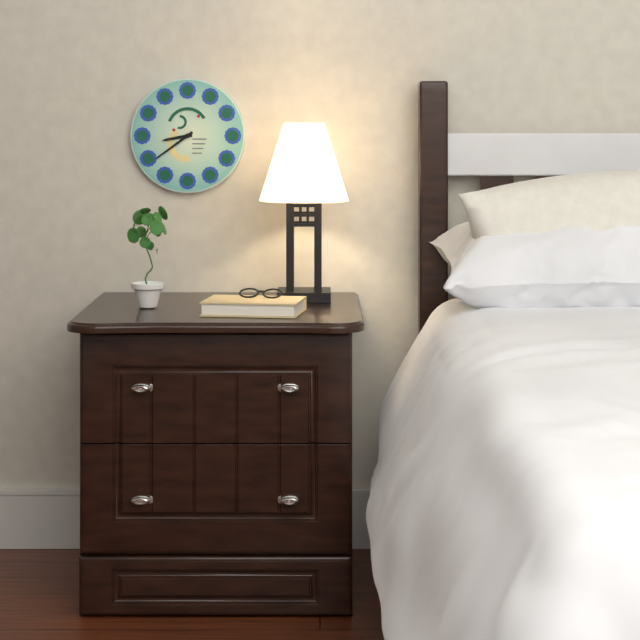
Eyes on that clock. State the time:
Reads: 8:39
